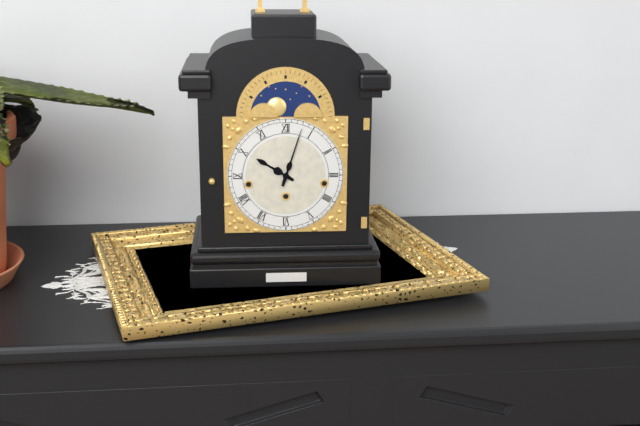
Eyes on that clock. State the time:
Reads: 10:03
